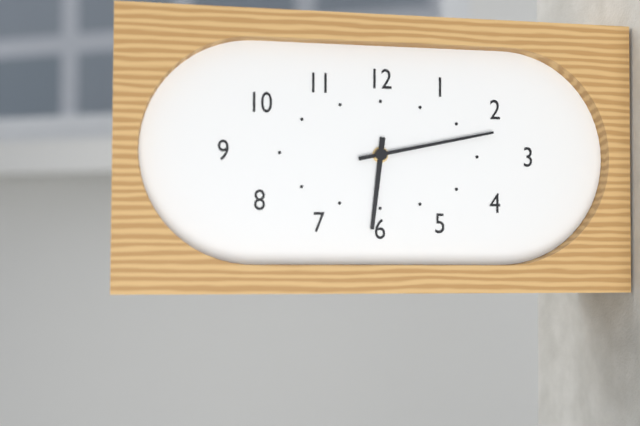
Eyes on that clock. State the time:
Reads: 6:13
